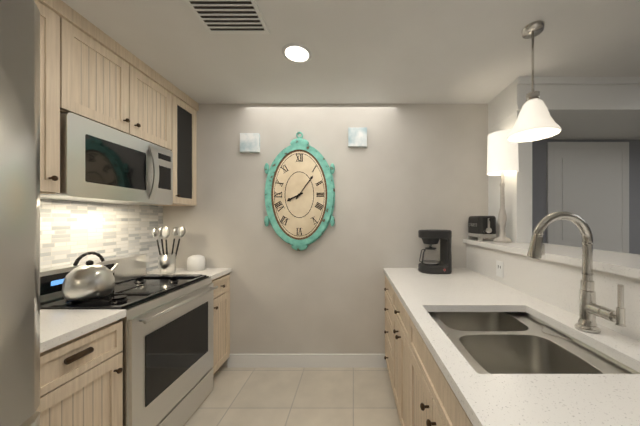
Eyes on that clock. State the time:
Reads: 8:06
